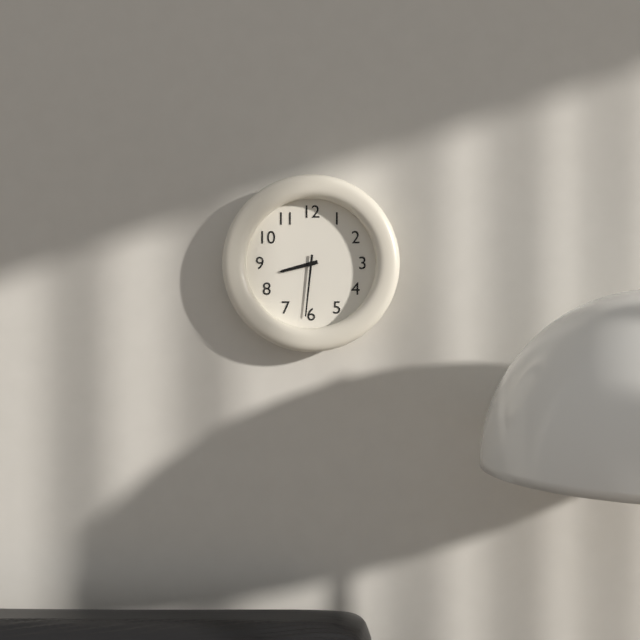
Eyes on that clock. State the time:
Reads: 8:31
